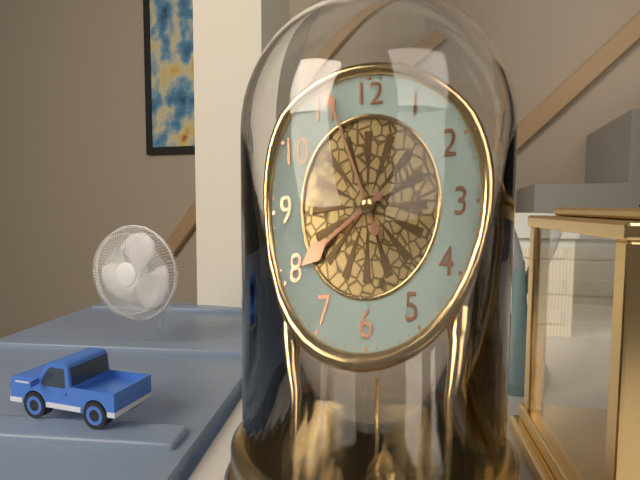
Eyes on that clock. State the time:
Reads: 7:56
